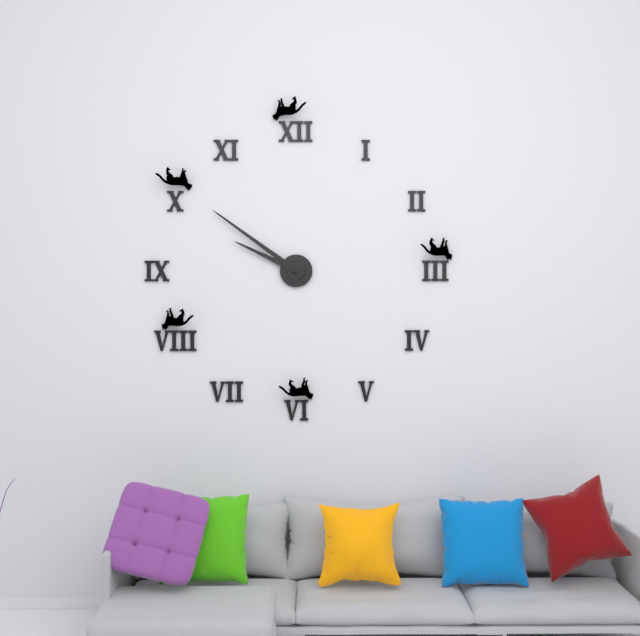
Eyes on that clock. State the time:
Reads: 9:51
